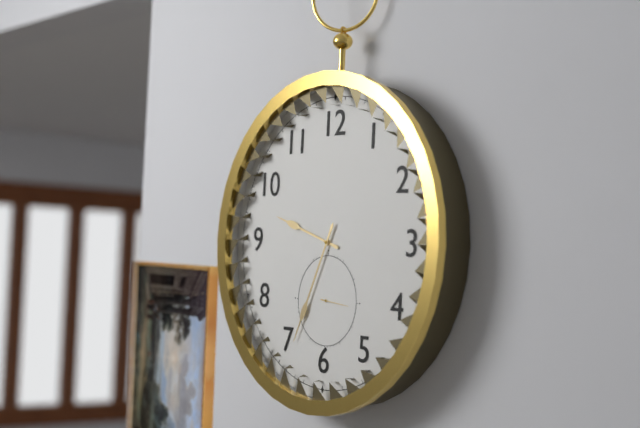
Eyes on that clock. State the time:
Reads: 9:34
